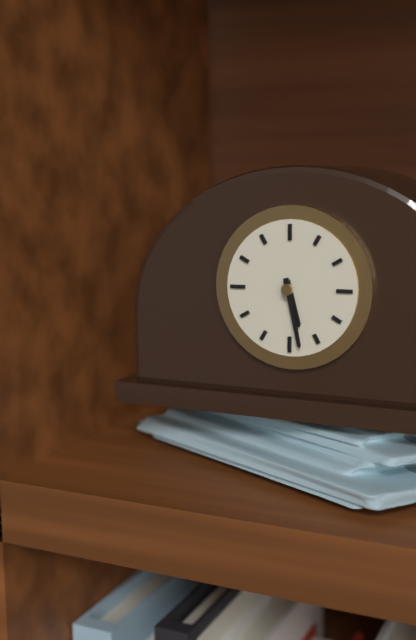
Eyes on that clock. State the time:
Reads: 5:28
